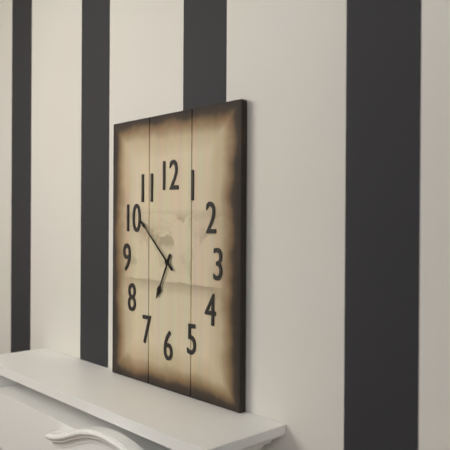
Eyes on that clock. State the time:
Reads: 6:52
